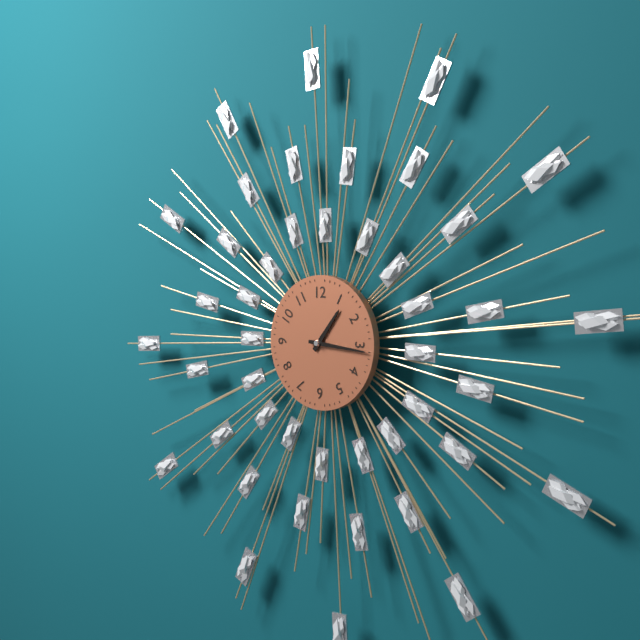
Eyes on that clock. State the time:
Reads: 1:16
